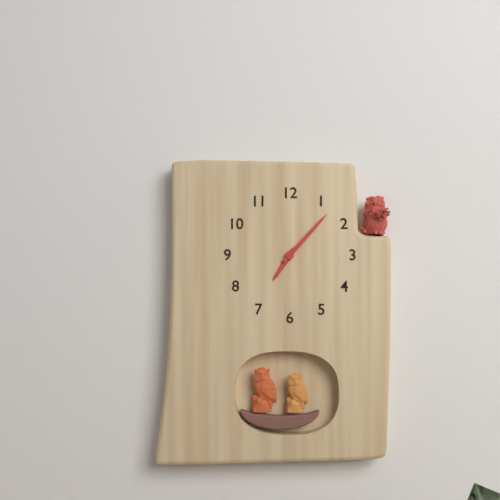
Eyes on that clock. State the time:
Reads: 7:07
